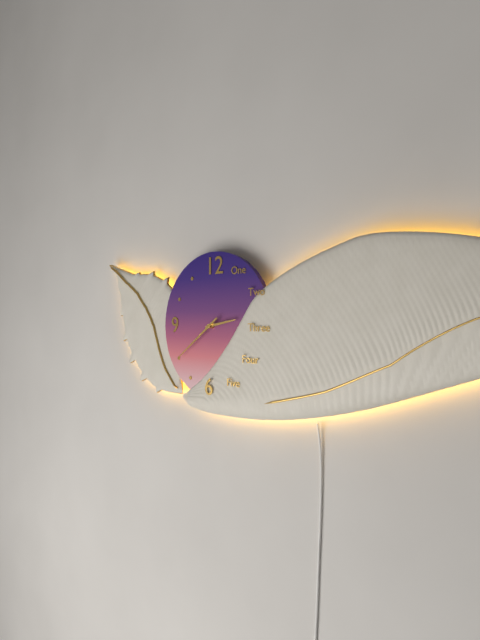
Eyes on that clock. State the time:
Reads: 2:39
